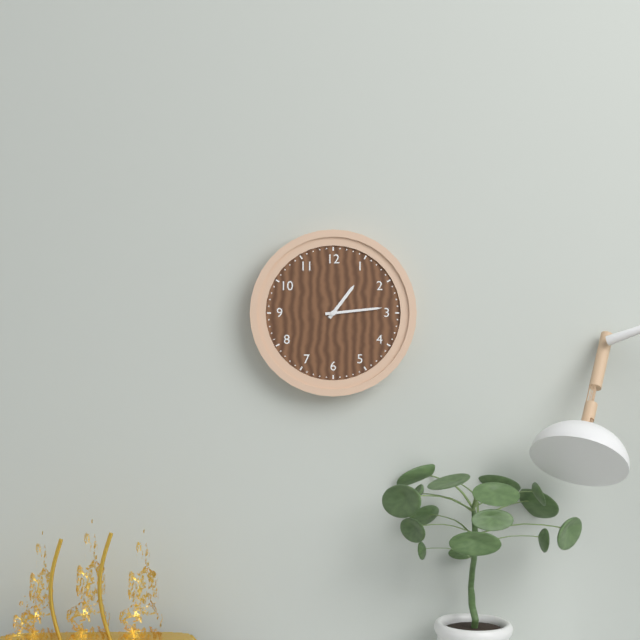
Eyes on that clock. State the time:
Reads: 1:14
